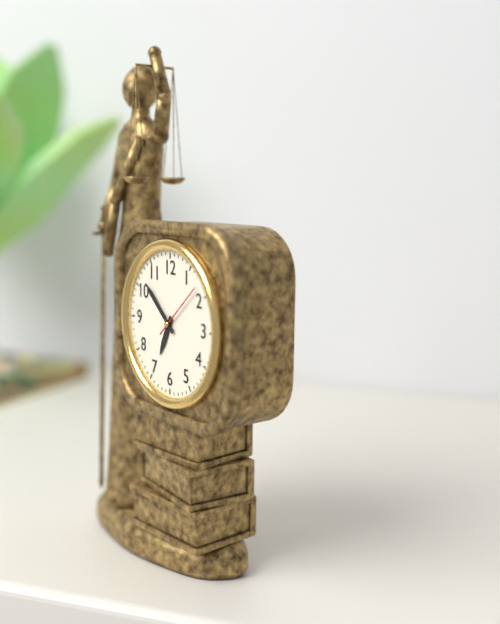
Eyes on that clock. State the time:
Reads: 6:52:08
